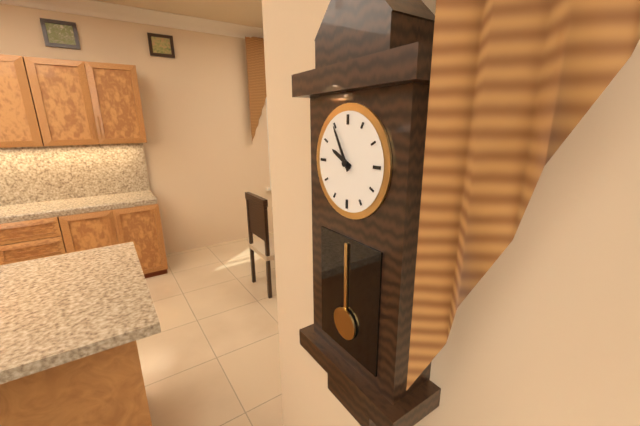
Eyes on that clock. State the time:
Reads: 9:55
